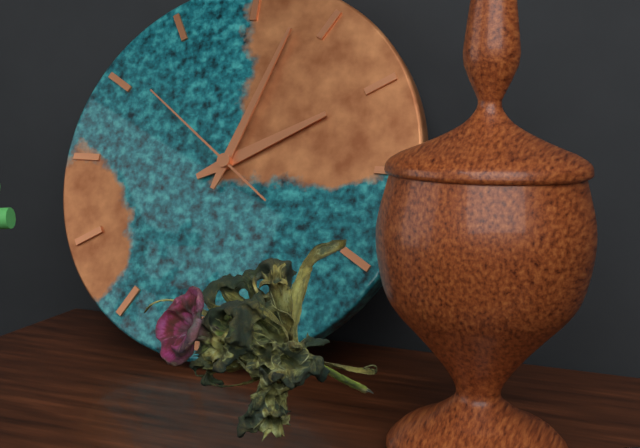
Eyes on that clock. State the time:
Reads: 2:03:51
